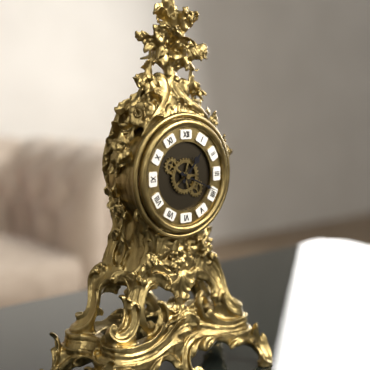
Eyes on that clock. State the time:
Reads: 1:19
